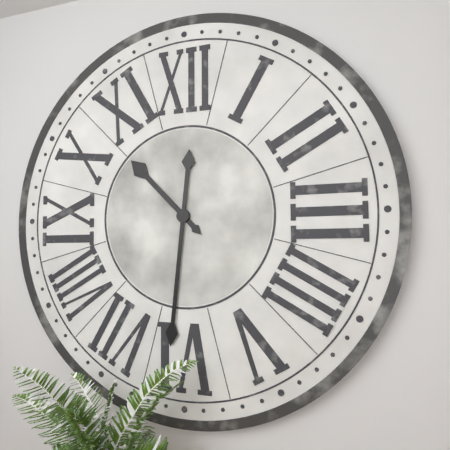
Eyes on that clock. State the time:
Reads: 10:31
